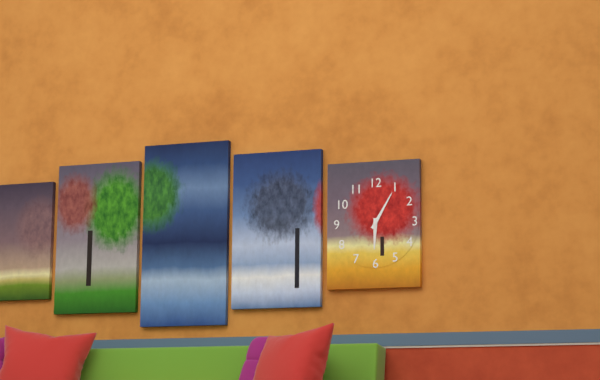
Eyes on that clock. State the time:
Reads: 6:05
